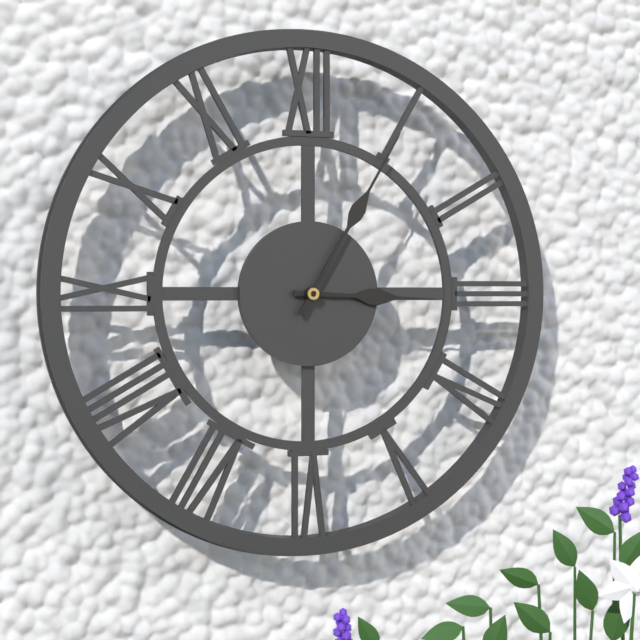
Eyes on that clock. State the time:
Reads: 3:05
